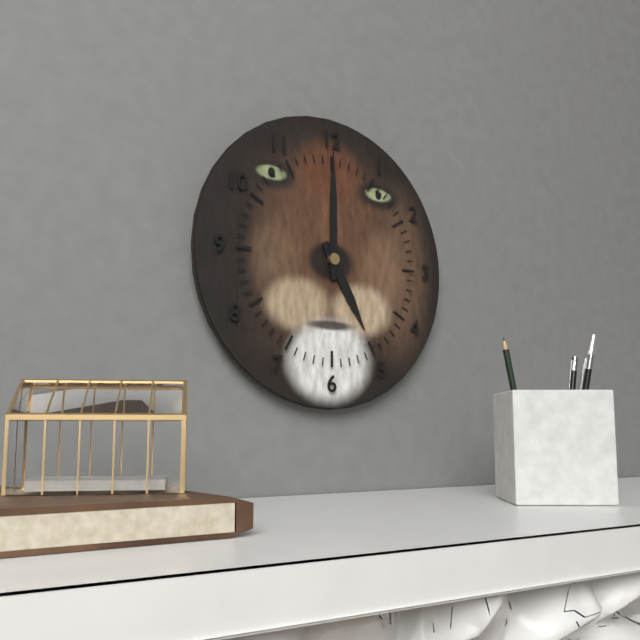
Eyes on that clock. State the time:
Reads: 5:00
